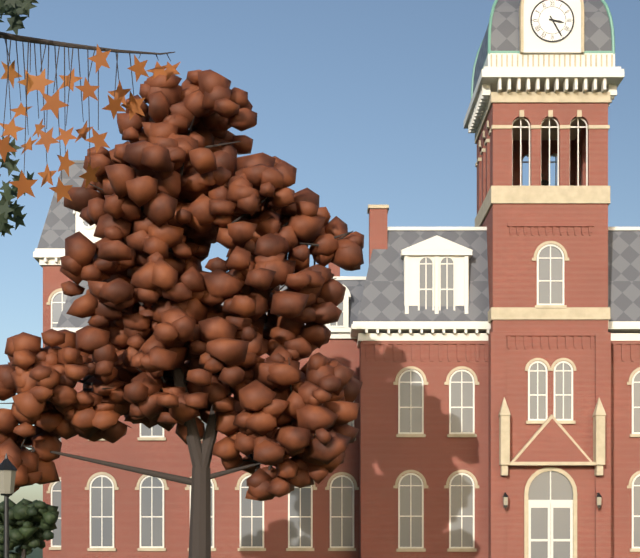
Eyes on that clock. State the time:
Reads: 3:25
